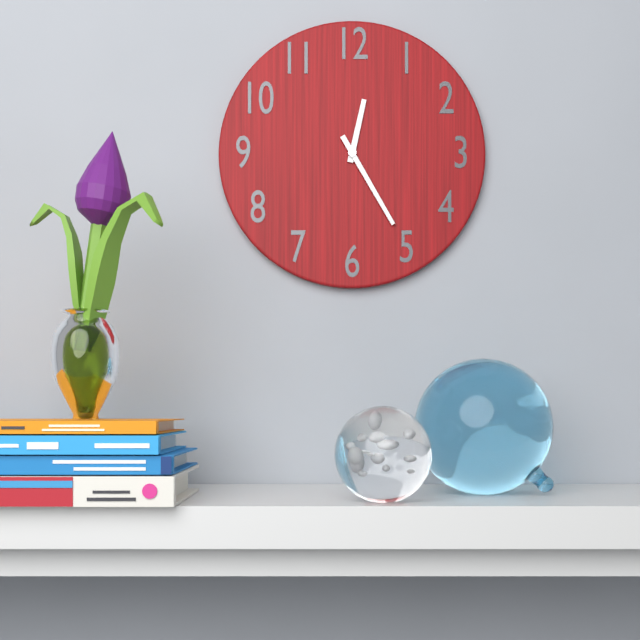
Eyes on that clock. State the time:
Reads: 12:25
